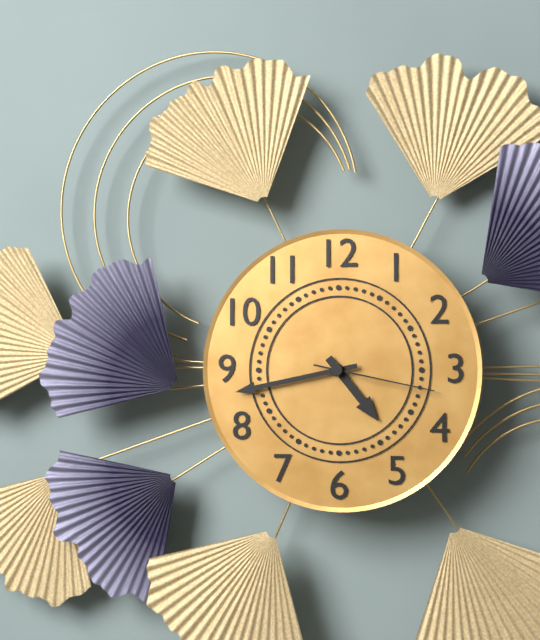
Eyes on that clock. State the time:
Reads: 4:43:17
